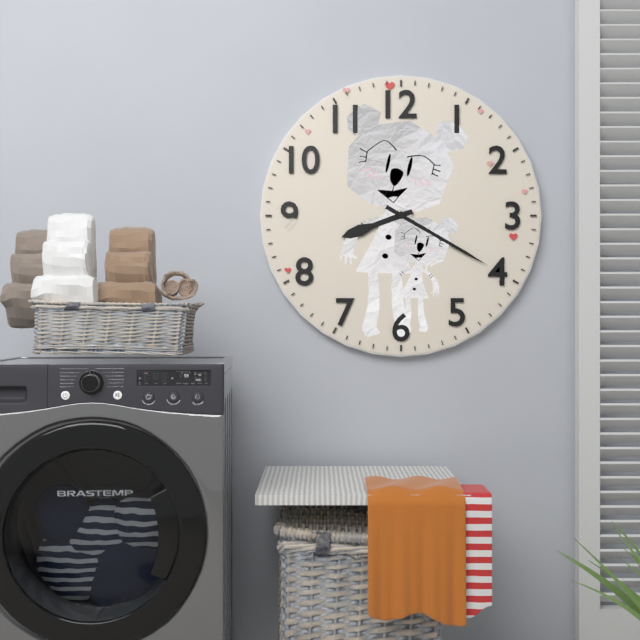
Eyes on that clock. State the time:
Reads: 8:20
